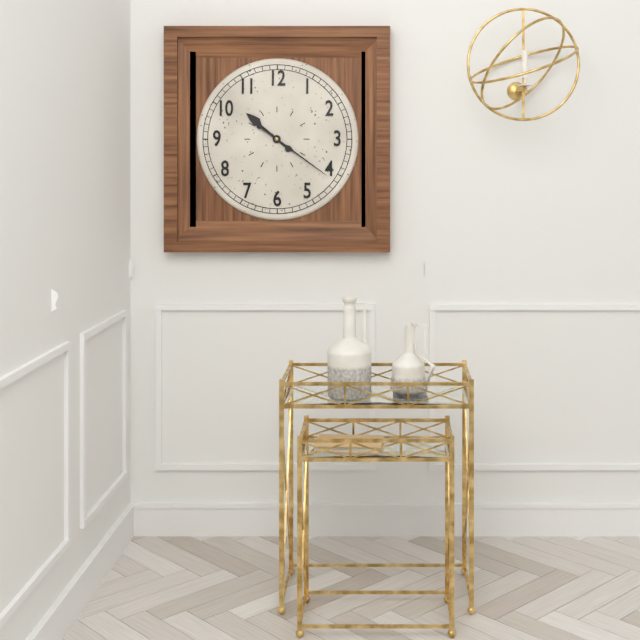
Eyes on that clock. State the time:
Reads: 10:21
